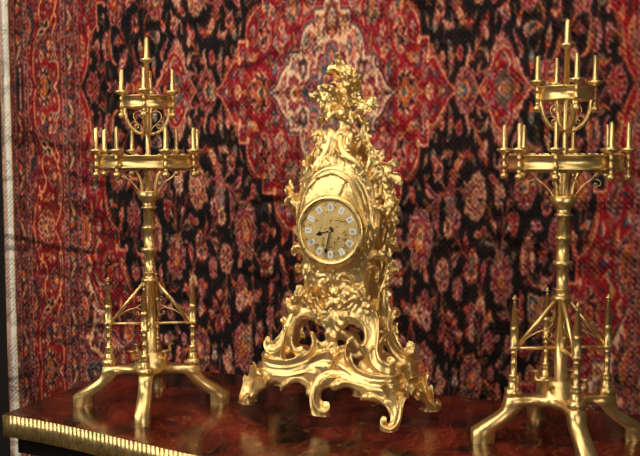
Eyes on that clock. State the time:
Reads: 8:32
